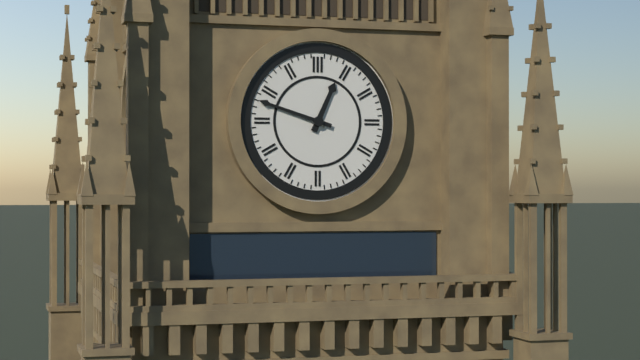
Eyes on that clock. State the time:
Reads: 12:48
